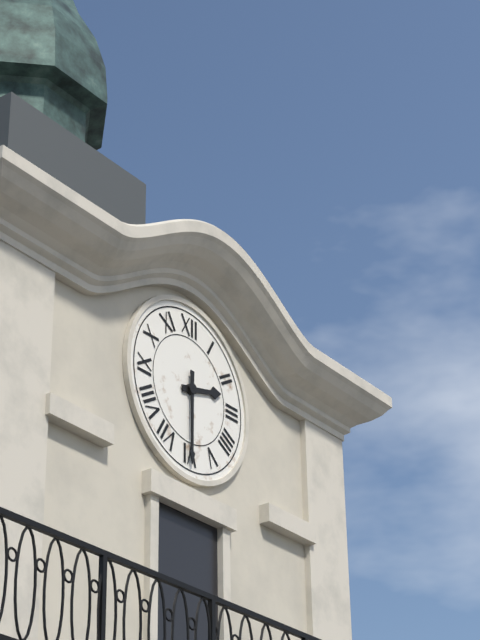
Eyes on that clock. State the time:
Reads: 2:30
